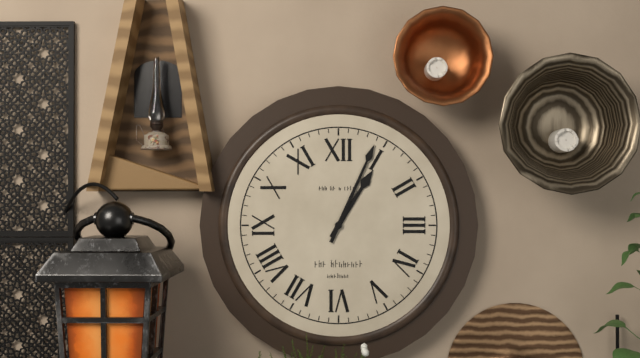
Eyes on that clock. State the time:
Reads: 1:04
